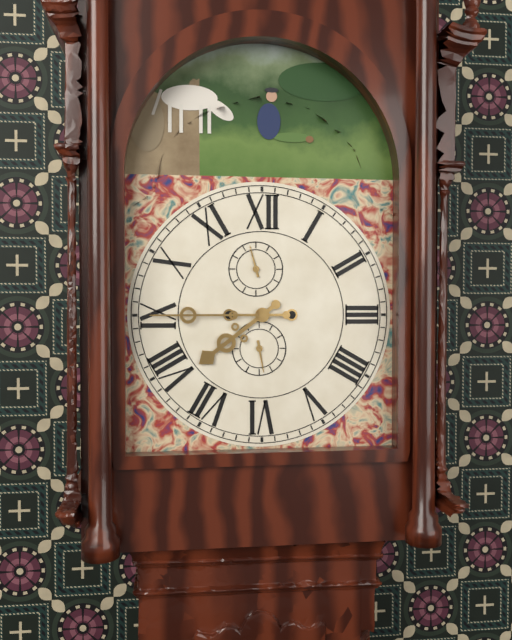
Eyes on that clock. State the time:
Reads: 7:45
